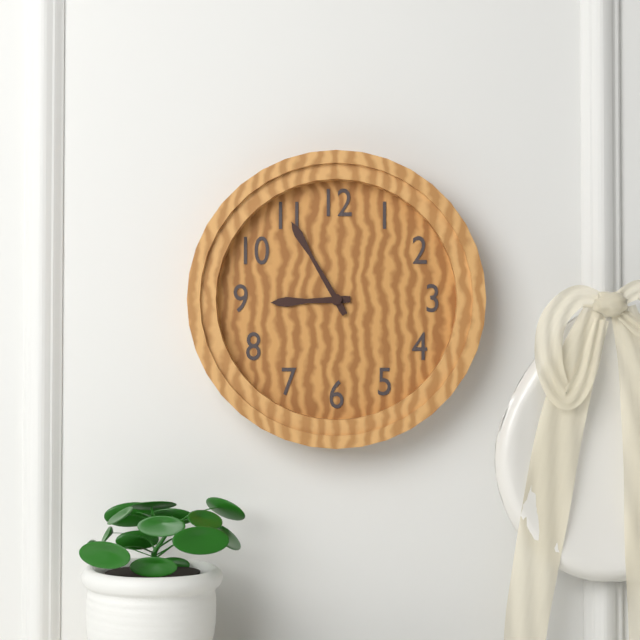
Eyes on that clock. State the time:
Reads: 8:55
